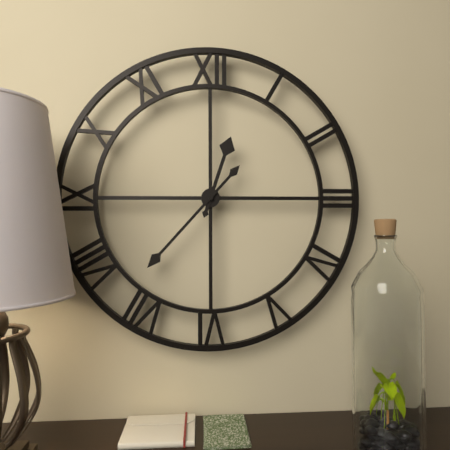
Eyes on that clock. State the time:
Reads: 12:37
